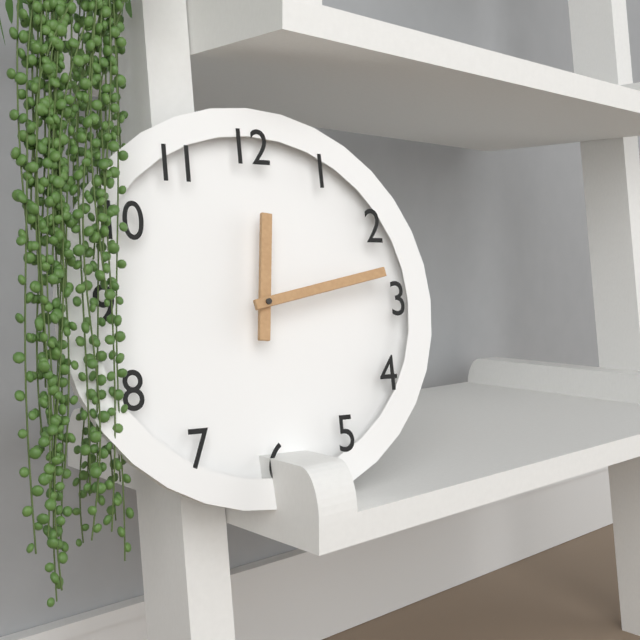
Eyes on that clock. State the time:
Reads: 12:13
